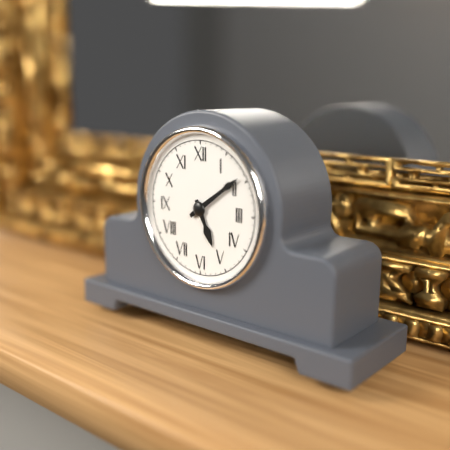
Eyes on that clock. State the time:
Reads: 5:09
